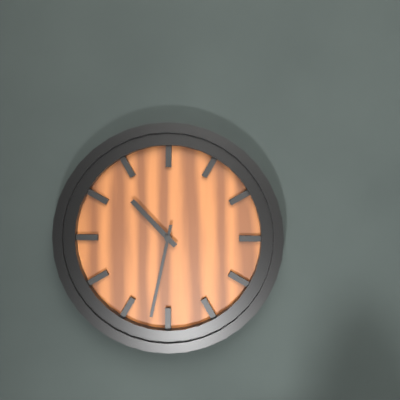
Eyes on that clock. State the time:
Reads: 10:32
